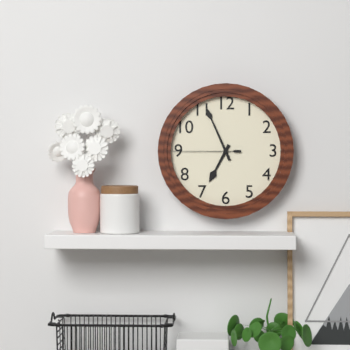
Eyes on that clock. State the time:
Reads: 6:56:45
